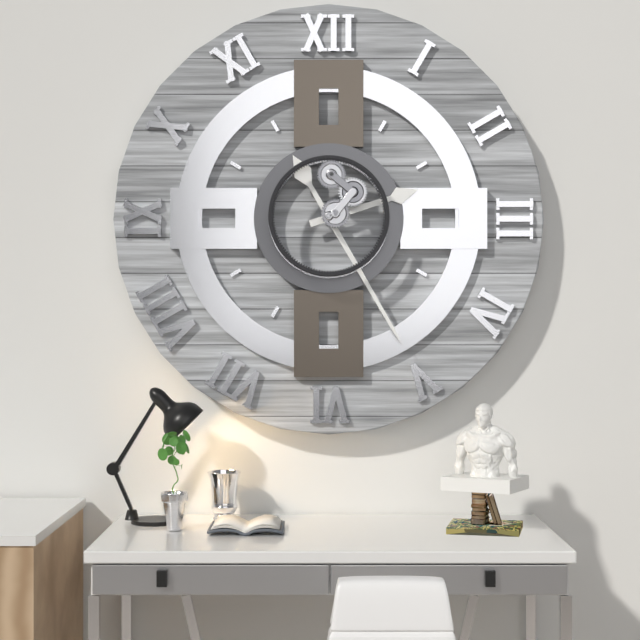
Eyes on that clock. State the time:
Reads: 2:25
